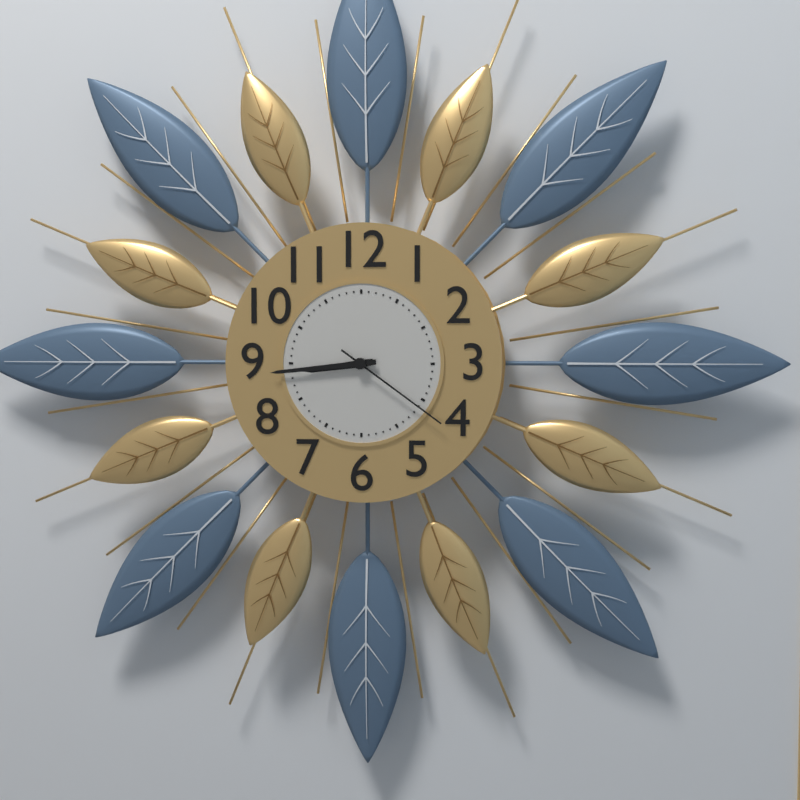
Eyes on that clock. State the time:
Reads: 8:44:21
